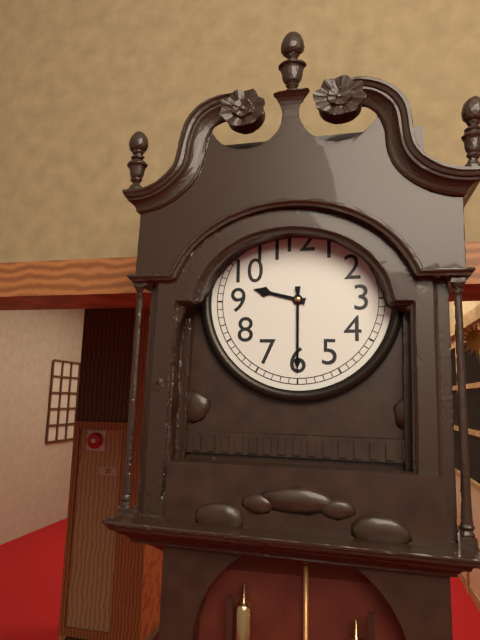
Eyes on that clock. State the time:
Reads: 9:30
